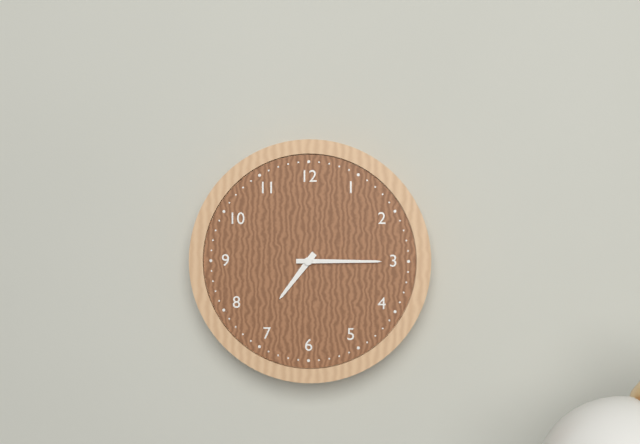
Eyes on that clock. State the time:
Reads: 7:15
